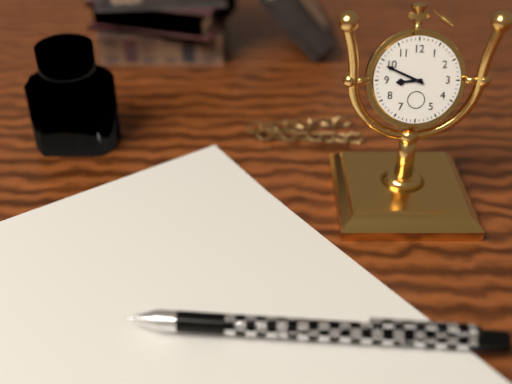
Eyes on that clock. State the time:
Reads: 8:49
